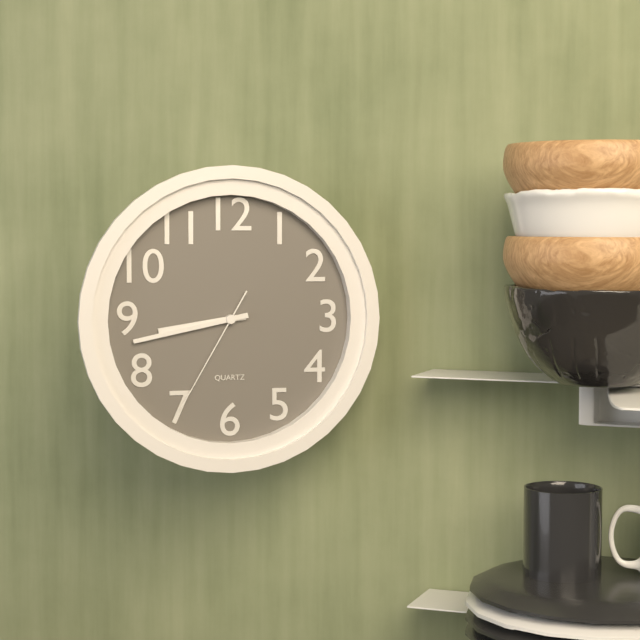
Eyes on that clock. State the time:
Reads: 8:43:35
